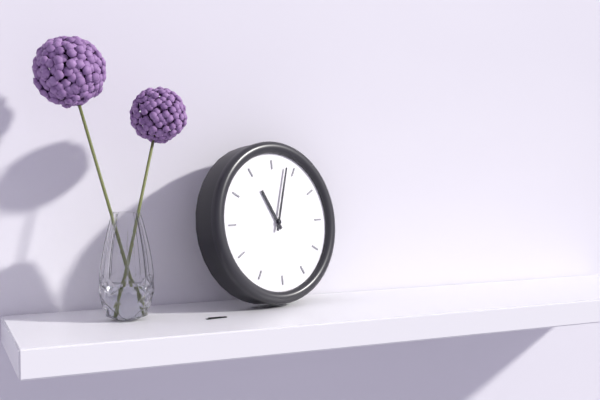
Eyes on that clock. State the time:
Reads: 11:03
